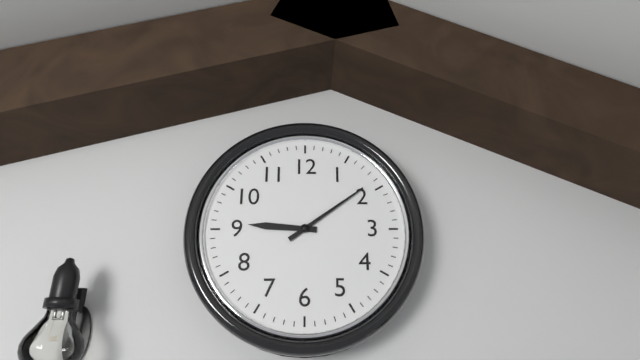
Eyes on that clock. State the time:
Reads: 9:09
